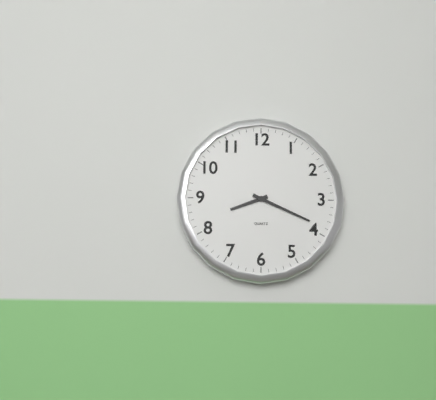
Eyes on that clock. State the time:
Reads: 8:19
